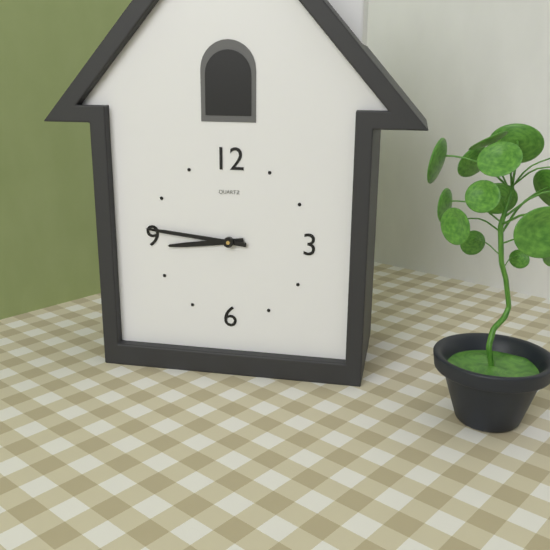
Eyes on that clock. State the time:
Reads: 8:46
